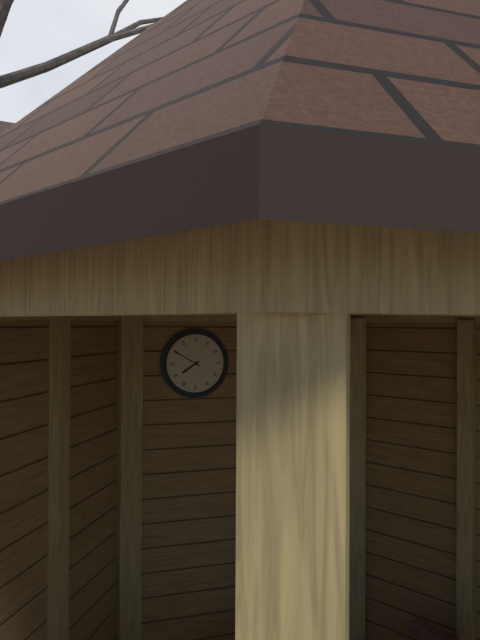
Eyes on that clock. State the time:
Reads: 7:50
